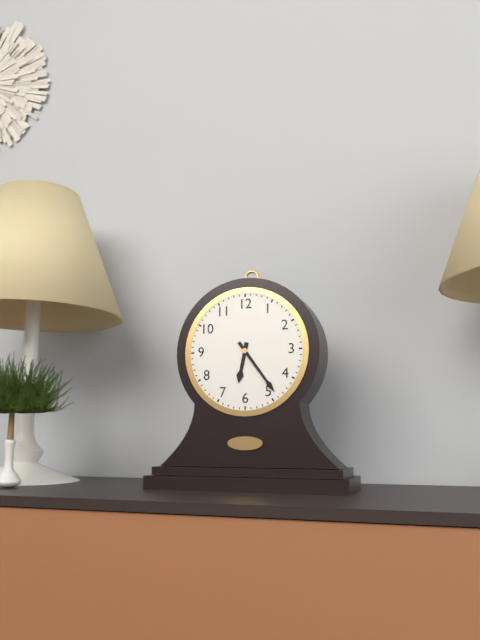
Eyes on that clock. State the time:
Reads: 6:24
